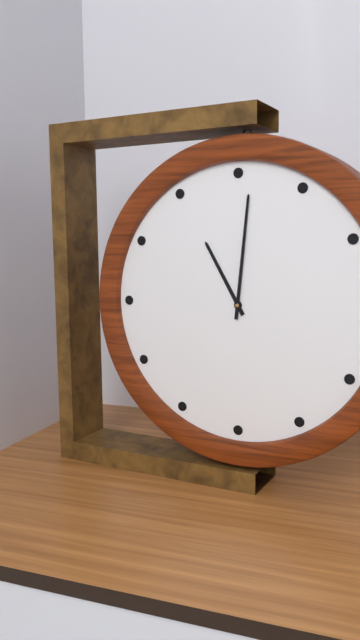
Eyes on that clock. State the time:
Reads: 11:01
